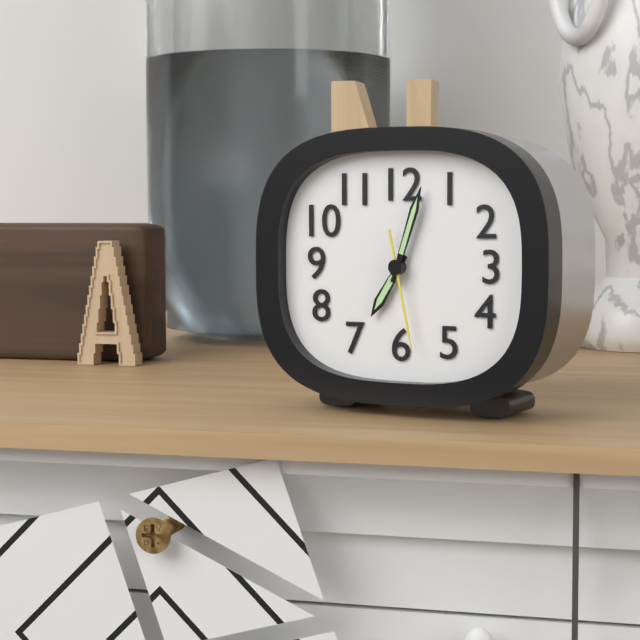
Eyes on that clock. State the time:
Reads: 7:03:28
